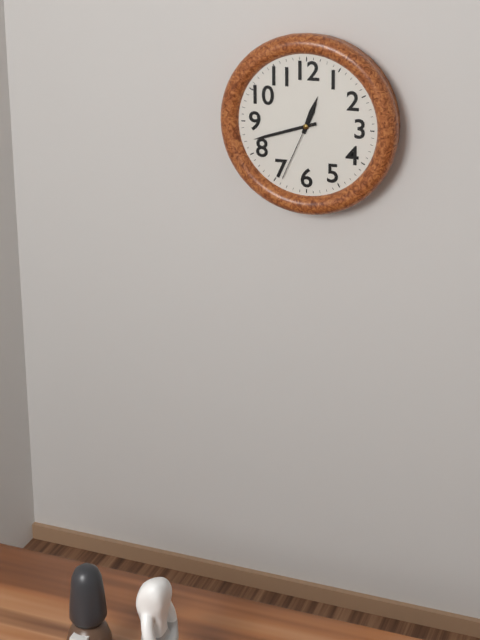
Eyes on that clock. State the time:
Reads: 12:42:34
